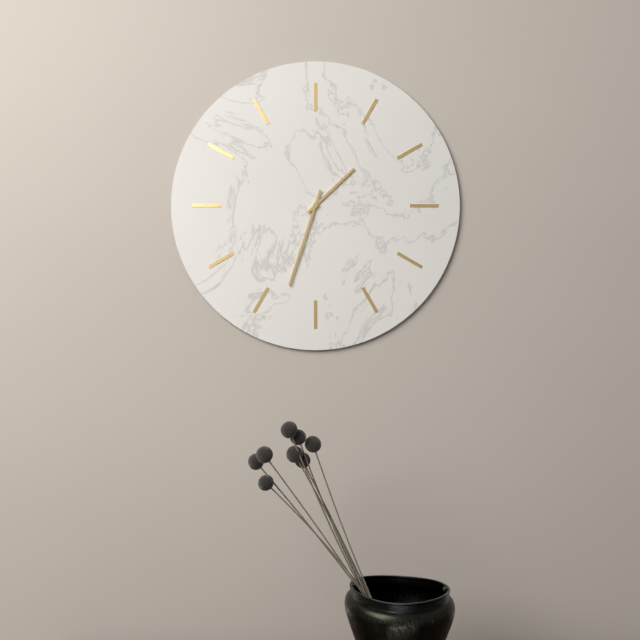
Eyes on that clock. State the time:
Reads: 1:33
